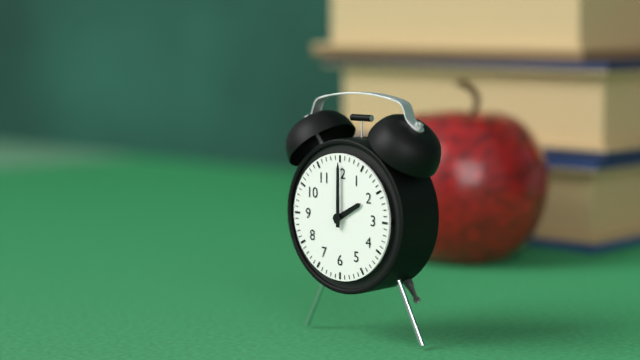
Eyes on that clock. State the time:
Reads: 2:00
